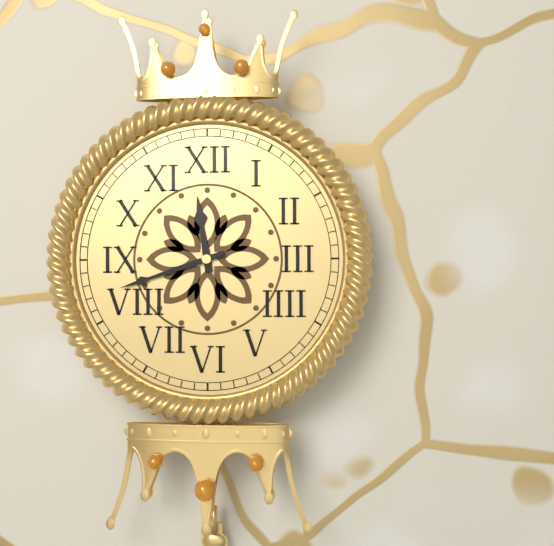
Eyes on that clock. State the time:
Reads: 11:42
